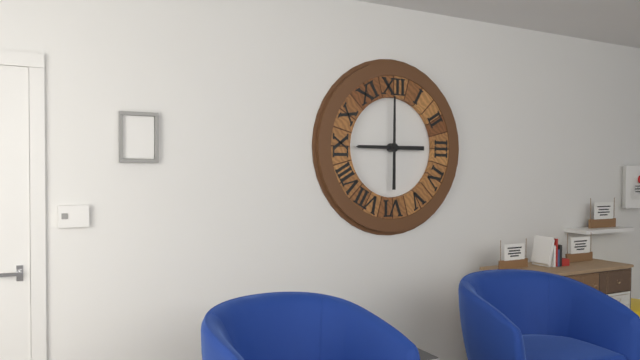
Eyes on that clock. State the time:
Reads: 9:00
